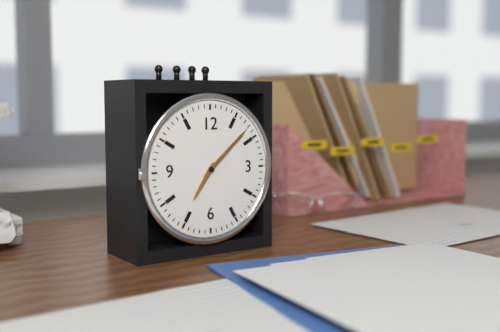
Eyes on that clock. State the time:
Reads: 7:08
